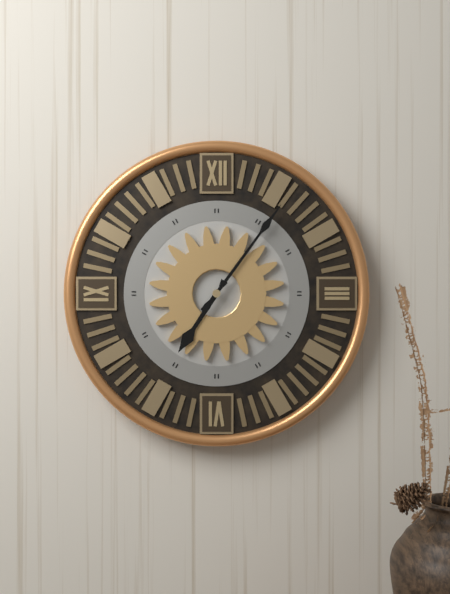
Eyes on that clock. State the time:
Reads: 7:06
